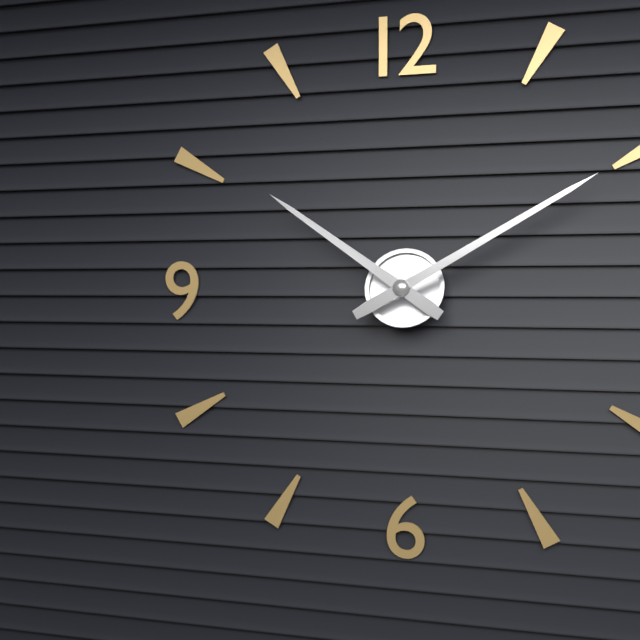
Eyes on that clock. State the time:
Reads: 10:10
